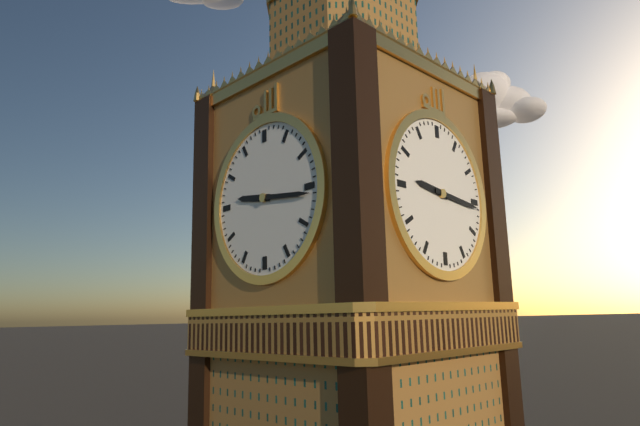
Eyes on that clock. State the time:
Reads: 9:16
